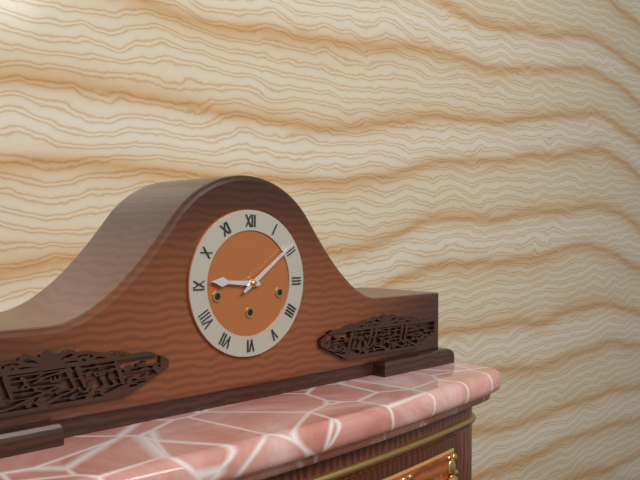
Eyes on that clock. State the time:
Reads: 9:09
